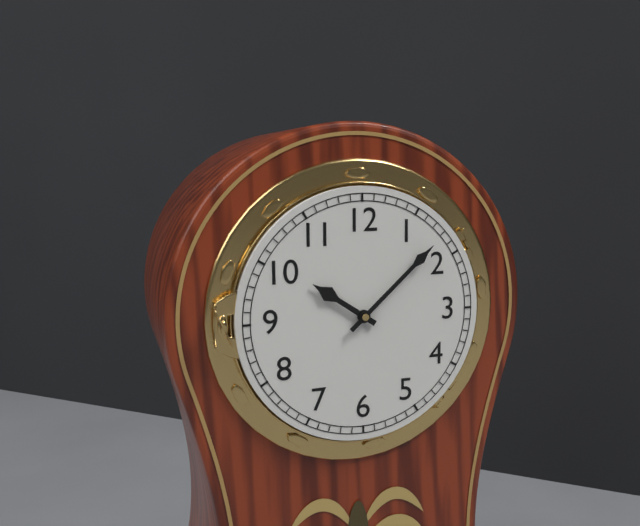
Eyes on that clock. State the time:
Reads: 10:08
